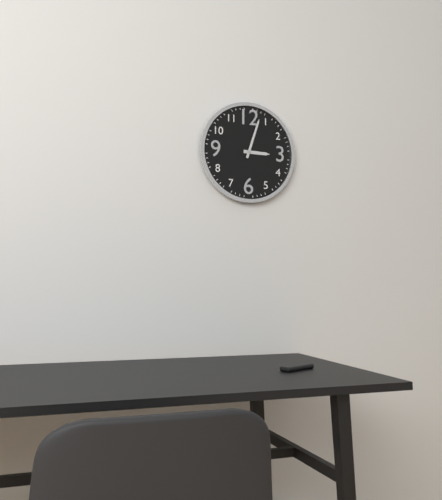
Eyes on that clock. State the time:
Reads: 3:03
